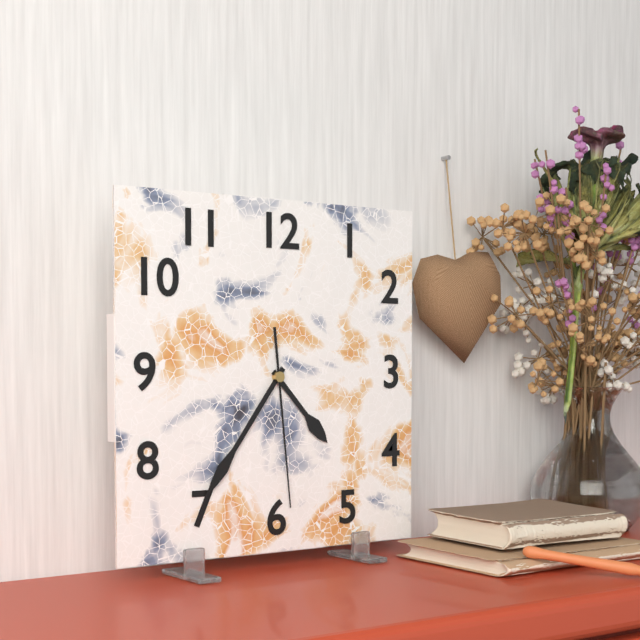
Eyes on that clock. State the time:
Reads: 4:36:29
